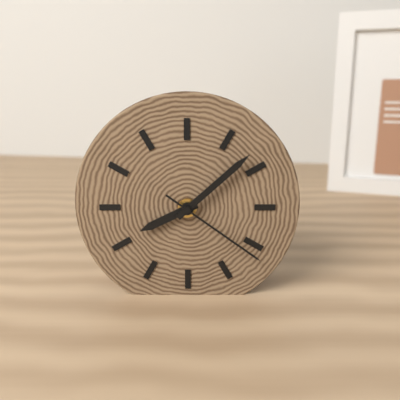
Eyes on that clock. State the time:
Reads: 8:08:21
